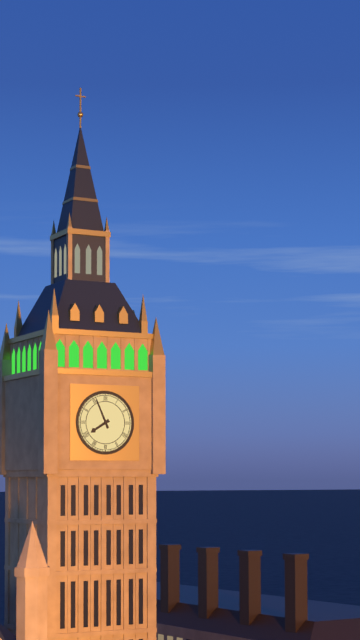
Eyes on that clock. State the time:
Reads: 7:56
